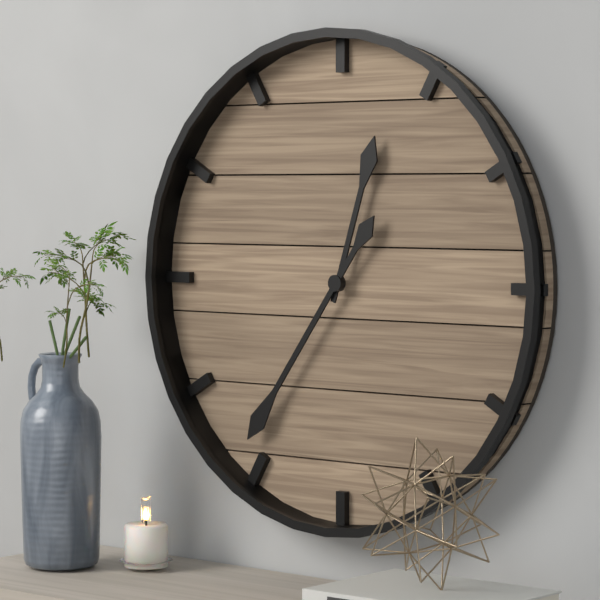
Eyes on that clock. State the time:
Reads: 12:36
